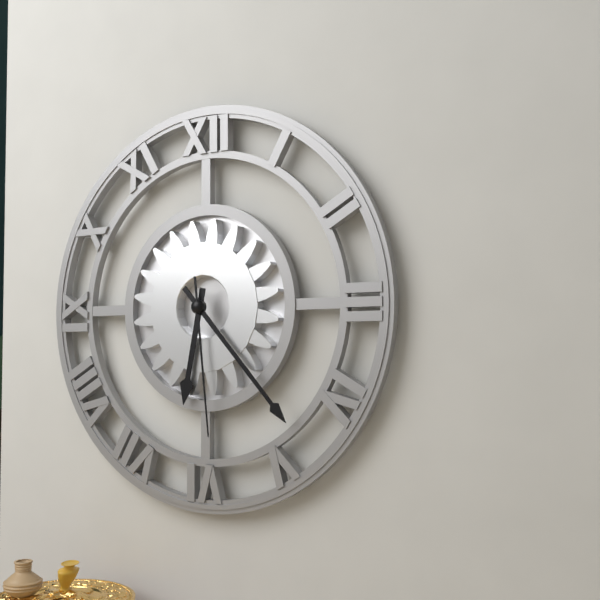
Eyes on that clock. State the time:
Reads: 6:23:29
